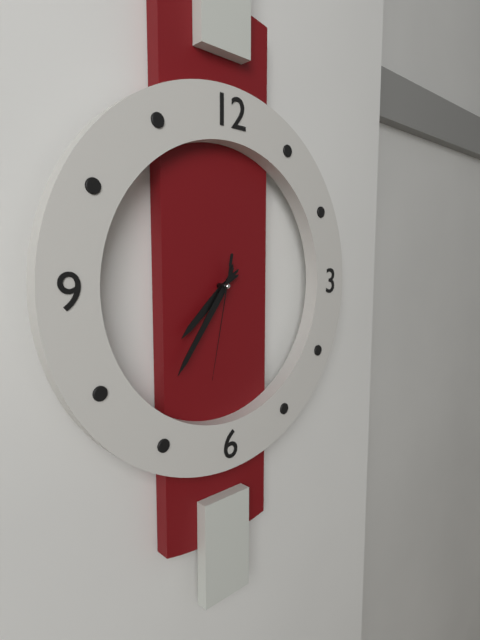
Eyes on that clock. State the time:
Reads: 7:36:32
